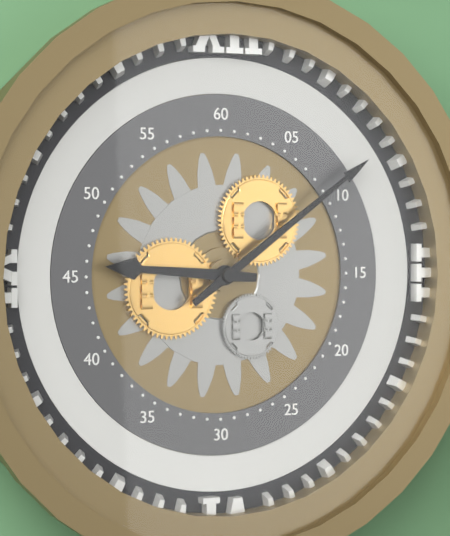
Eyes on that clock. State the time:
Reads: 9:09
